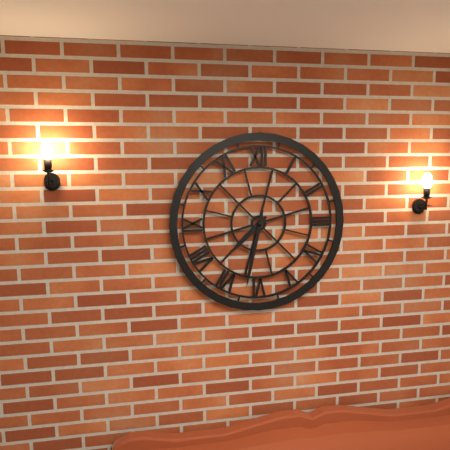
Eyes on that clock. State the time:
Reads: 7:32
